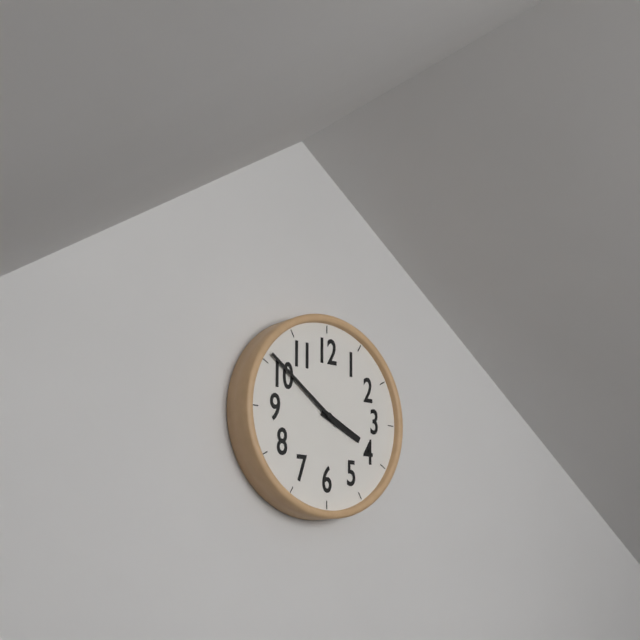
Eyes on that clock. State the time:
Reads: 3:51
